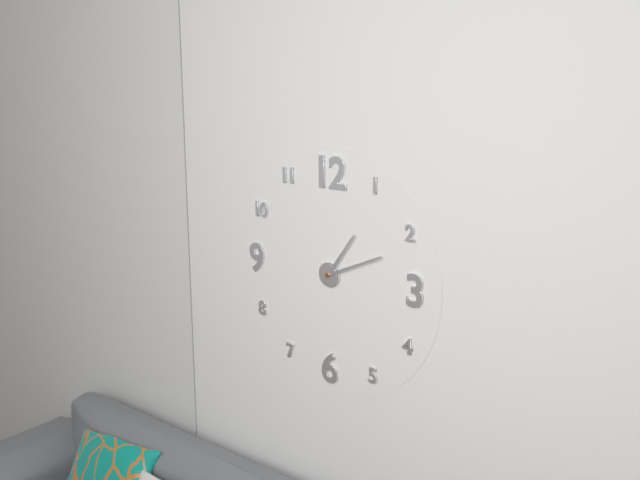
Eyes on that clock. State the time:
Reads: 1:11
